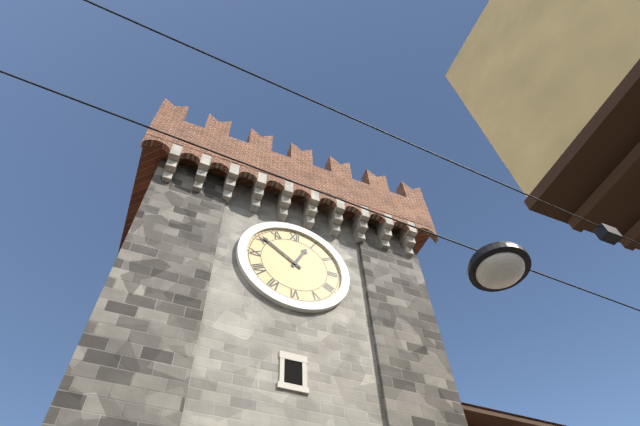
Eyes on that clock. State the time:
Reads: 12:51
